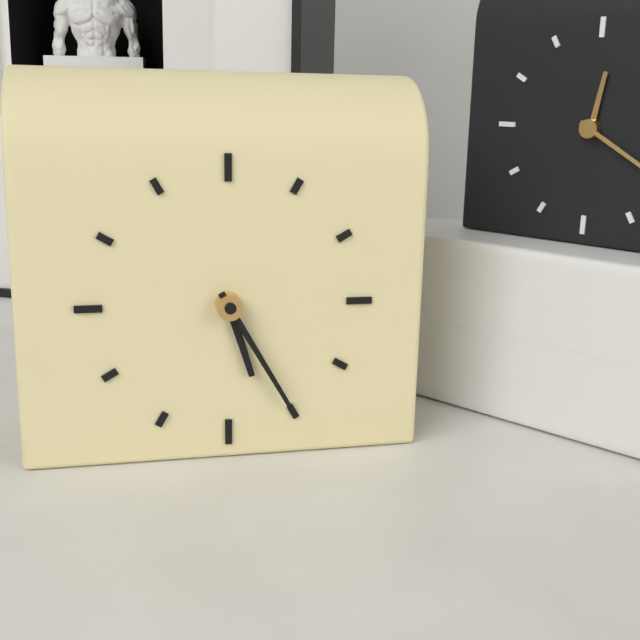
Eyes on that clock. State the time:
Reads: 5:25
